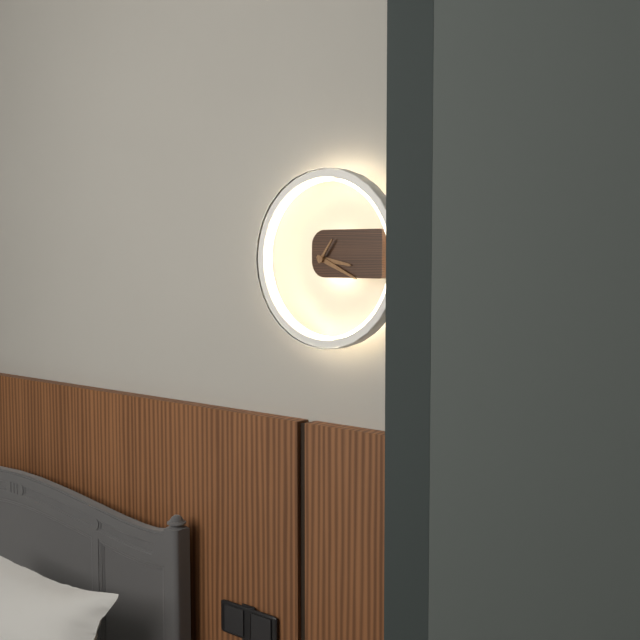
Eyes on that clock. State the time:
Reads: 3:19
